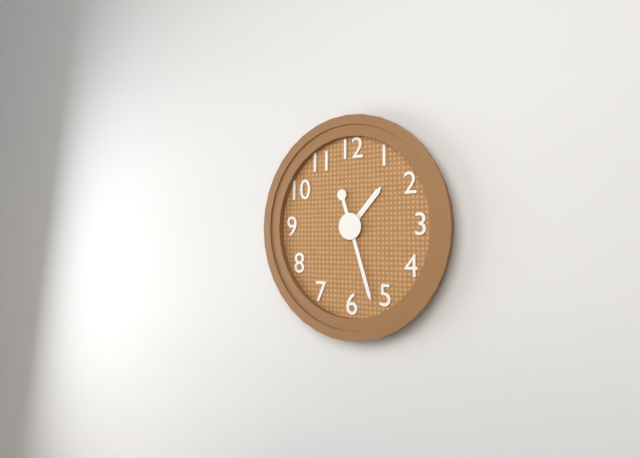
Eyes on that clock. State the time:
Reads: 1:27
